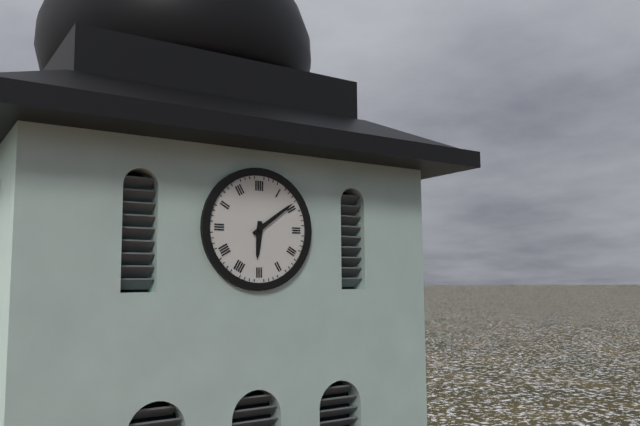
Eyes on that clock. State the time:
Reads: 6:09
